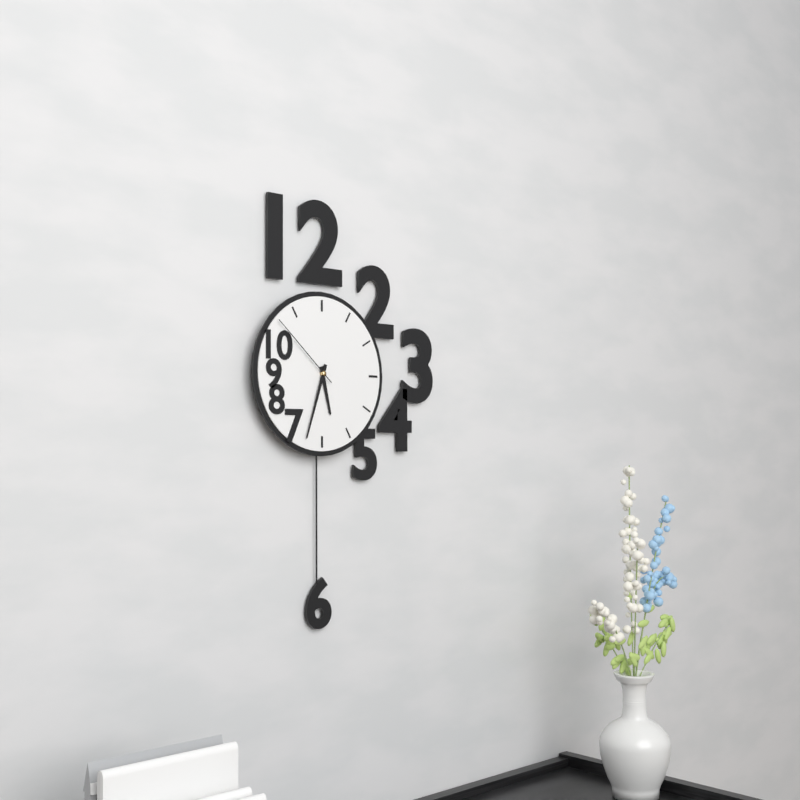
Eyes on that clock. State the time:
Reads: 5:33:52
